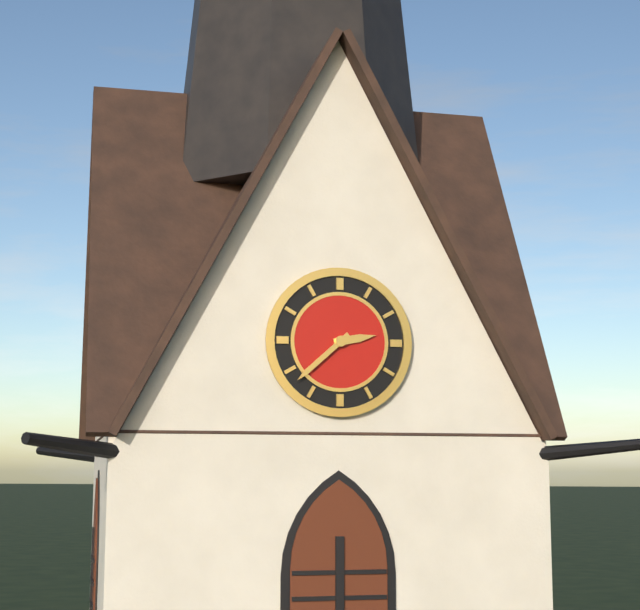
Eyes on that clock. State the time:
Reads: 2:38
